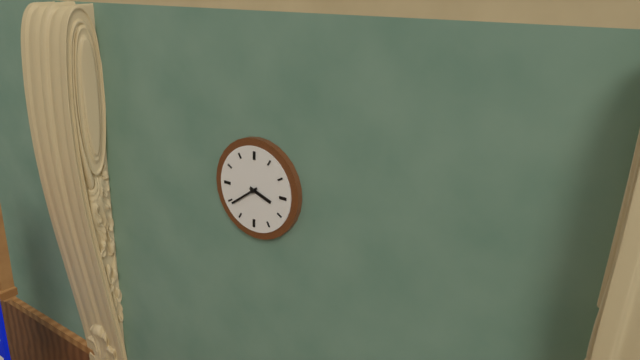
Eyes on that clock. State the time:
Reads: 3:39
